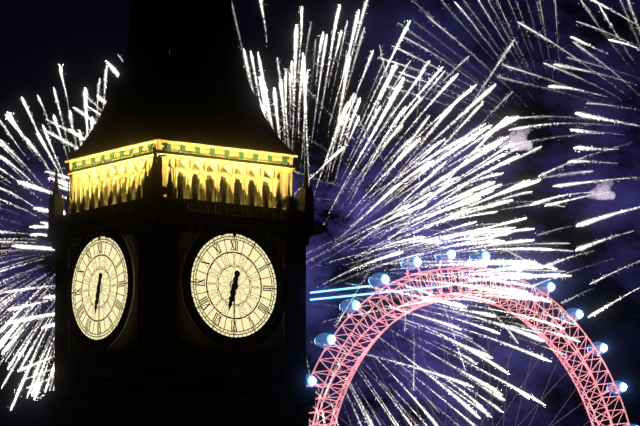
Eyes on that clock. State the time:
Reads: 6:30
